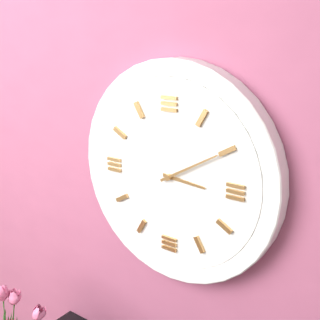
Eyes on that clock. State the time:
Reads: 3:10
